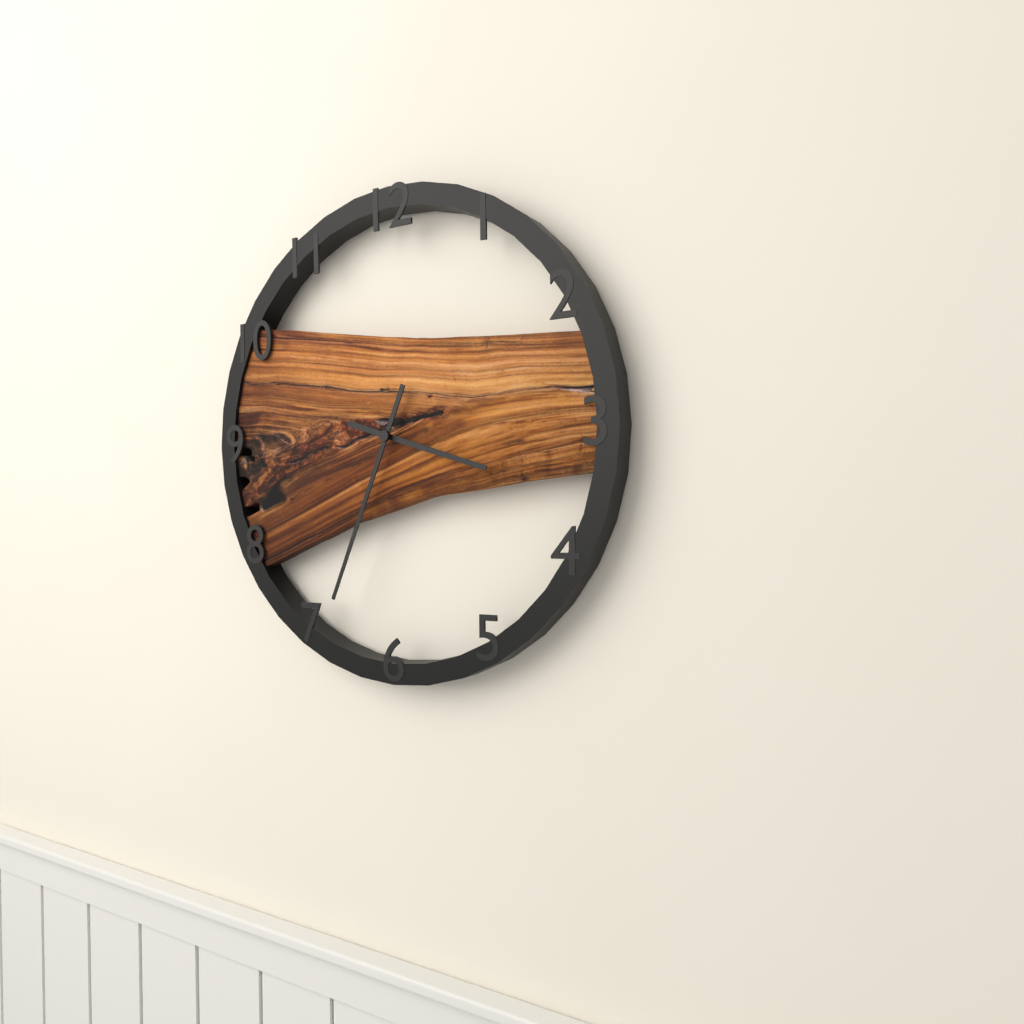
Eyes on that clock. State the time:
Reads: 3:34
